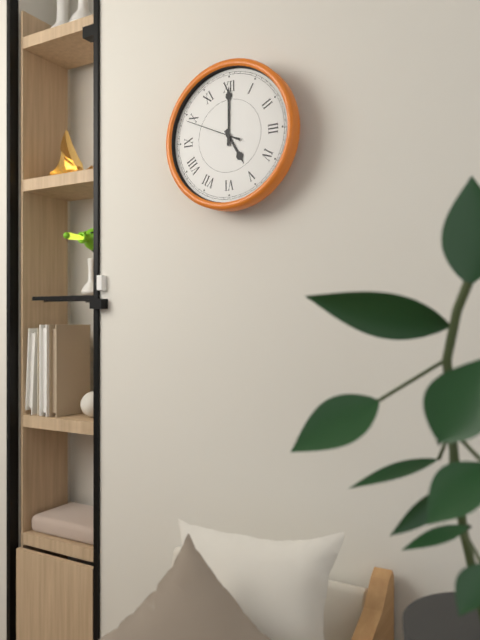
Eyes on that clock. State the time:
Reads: 5:00:49
